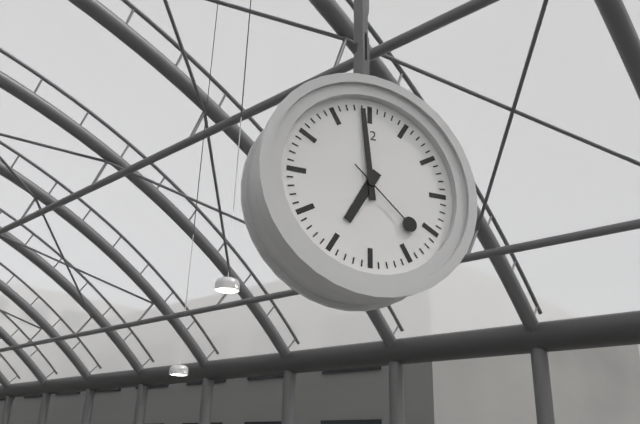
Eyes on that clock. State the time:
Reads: 6:59:22
